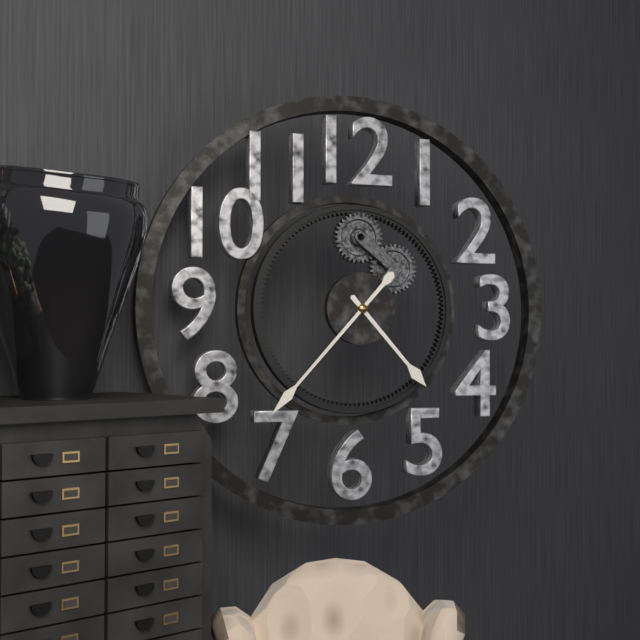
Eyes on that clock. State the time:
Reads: 4:37
